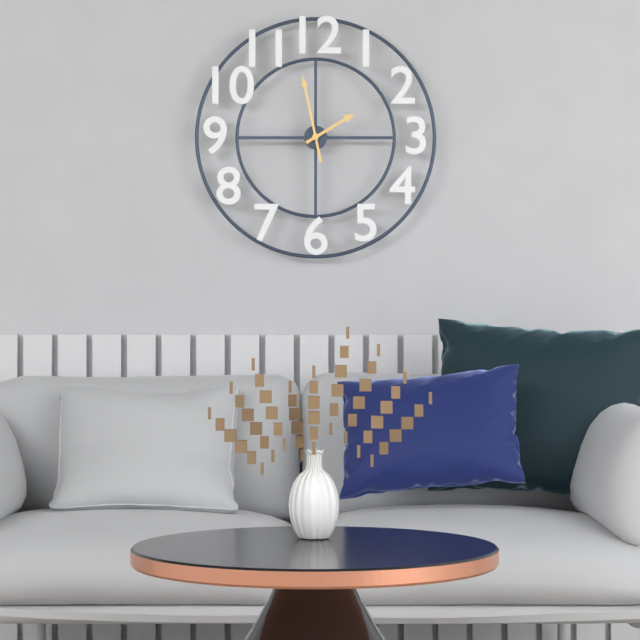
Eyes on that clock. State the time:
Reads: 1:58
